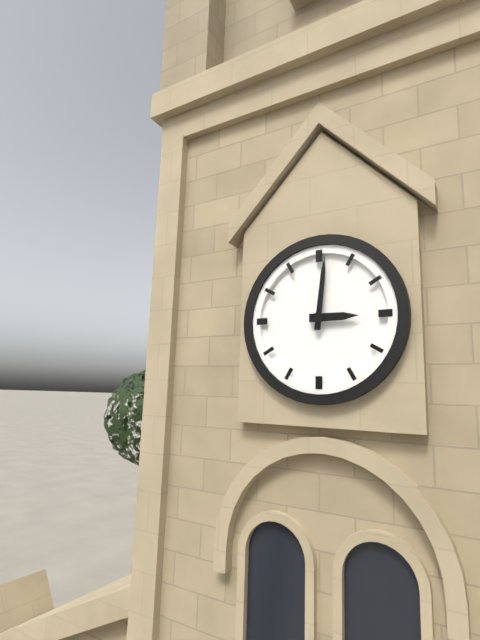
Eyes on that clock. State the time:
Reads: 3:01
